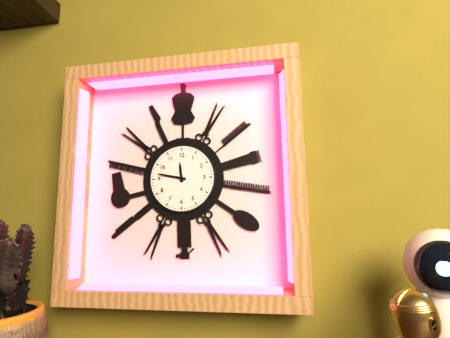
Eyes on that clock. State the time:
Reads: 11:47
